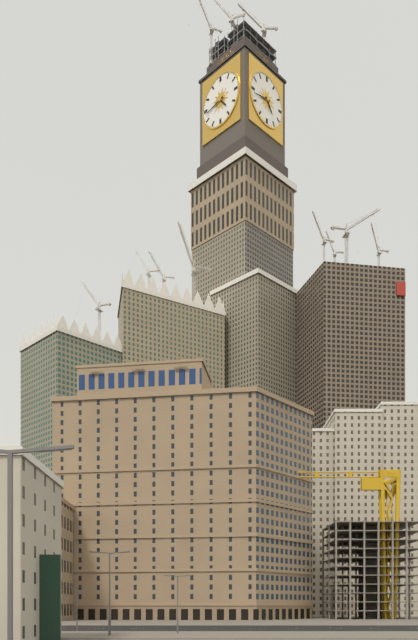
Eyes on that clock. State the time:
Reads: 4:43
